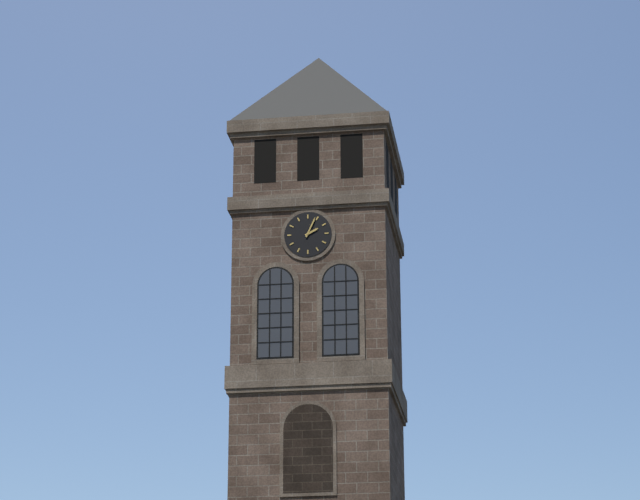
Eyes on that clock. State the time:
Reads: 2:04
